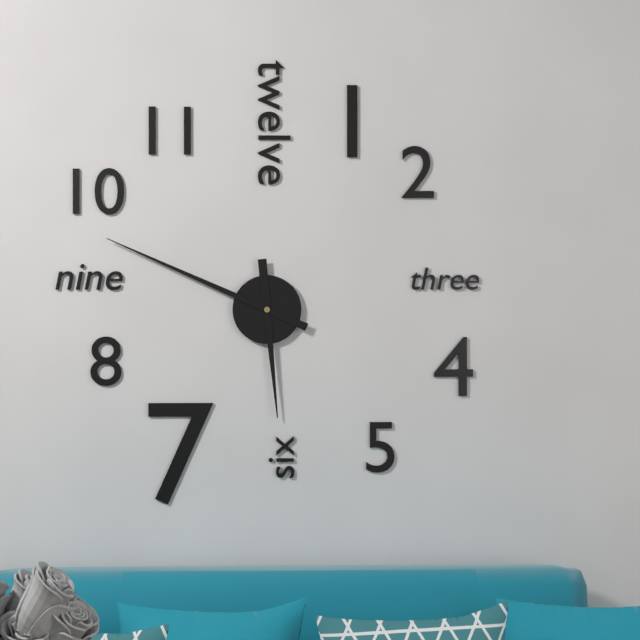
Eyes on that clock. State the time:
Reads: 5:49
